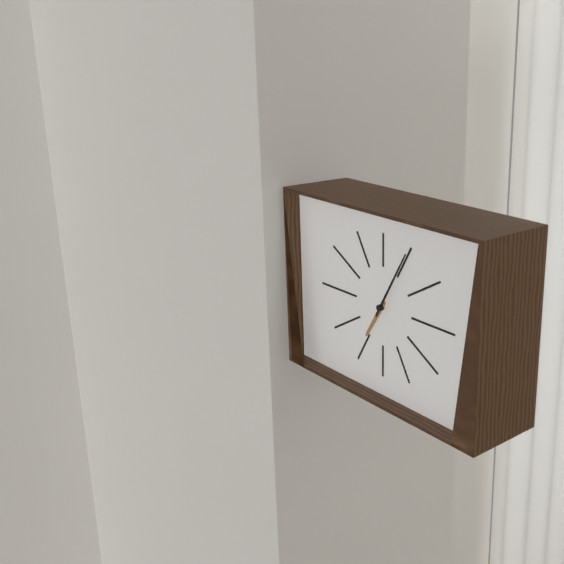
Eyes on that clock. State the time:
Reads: 7:05
